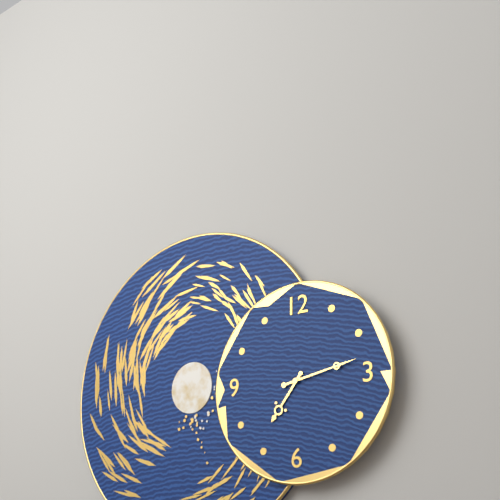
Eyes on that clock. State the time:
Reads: 7:13
